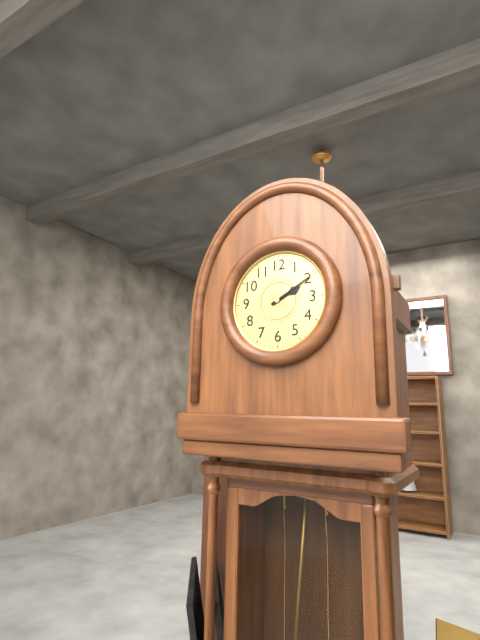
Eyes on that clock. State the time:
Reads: 2:10
